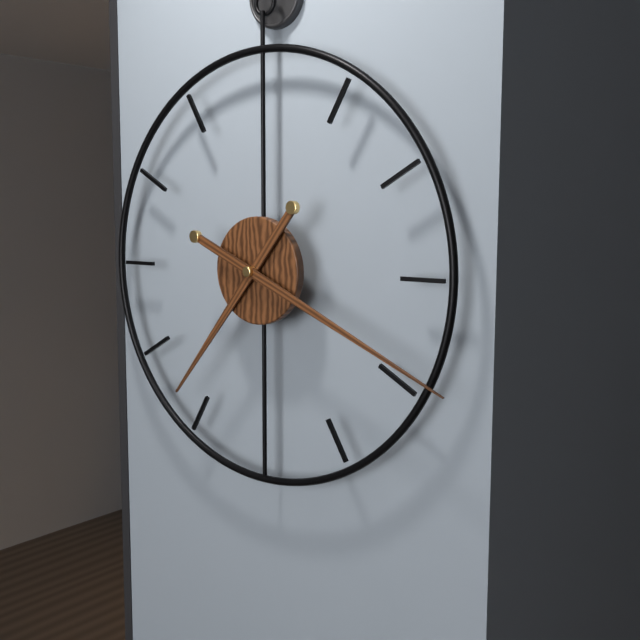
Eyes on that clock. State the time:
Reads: 7:19
